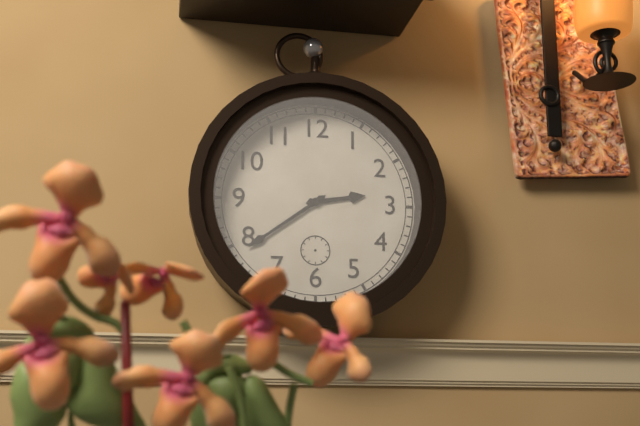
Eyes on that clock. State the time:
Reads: 2:39
